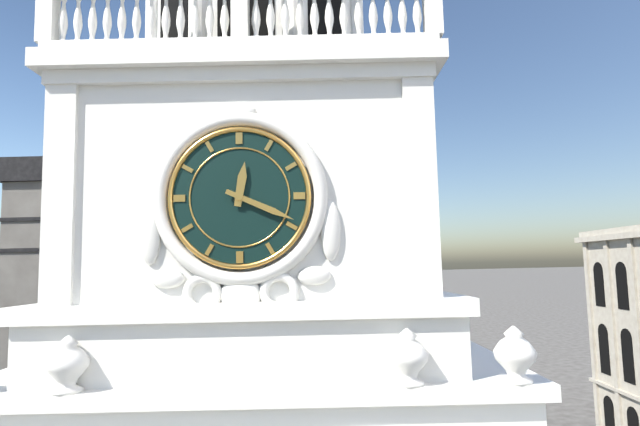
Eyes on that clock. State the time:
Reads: 12:19
